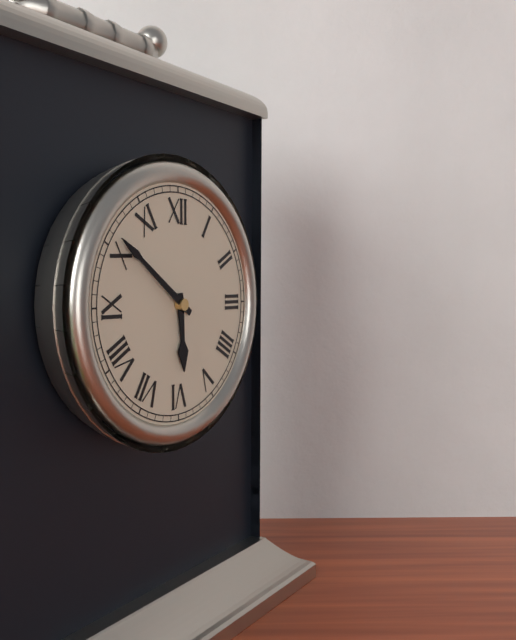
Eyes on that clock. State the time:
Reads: 5:51
